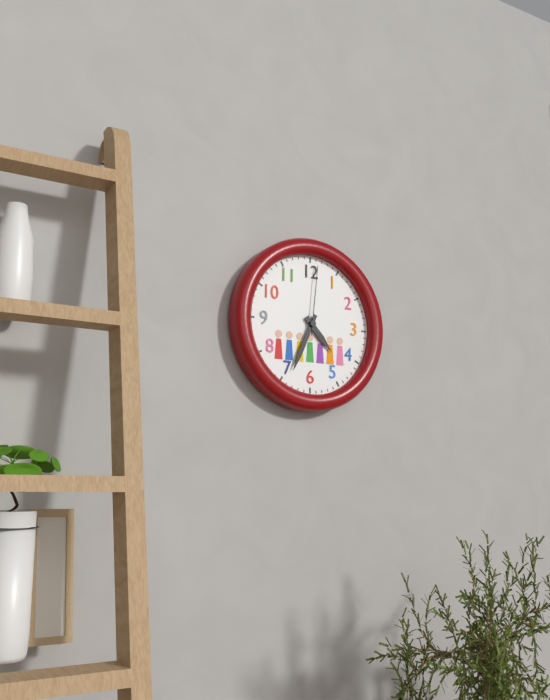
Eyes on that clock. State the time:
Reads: 4:34:01
